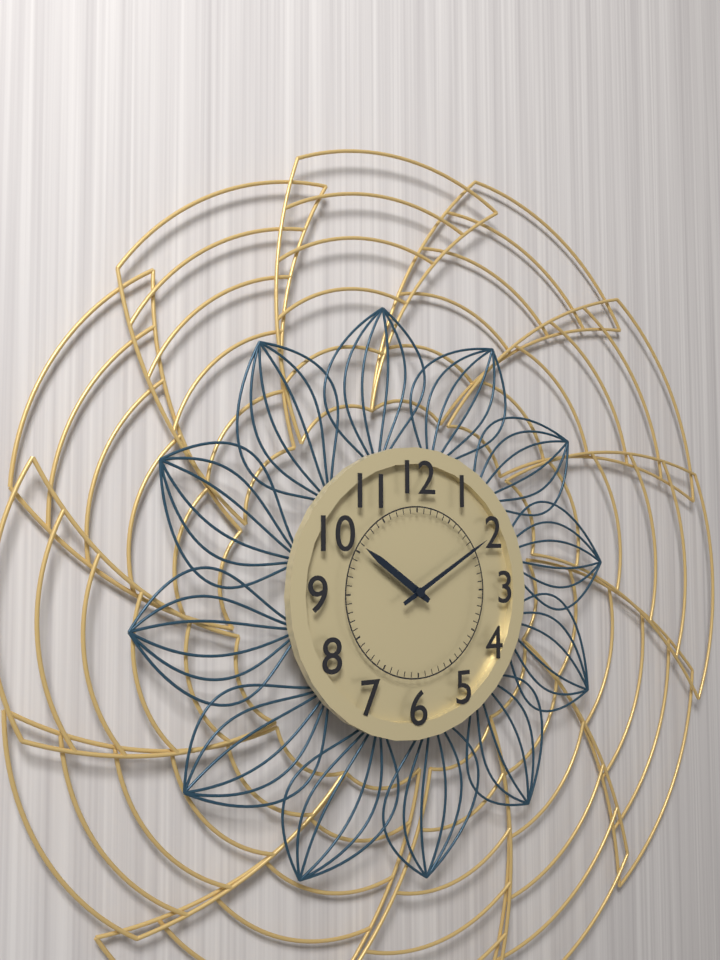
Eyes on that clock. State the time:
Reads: 10:10
